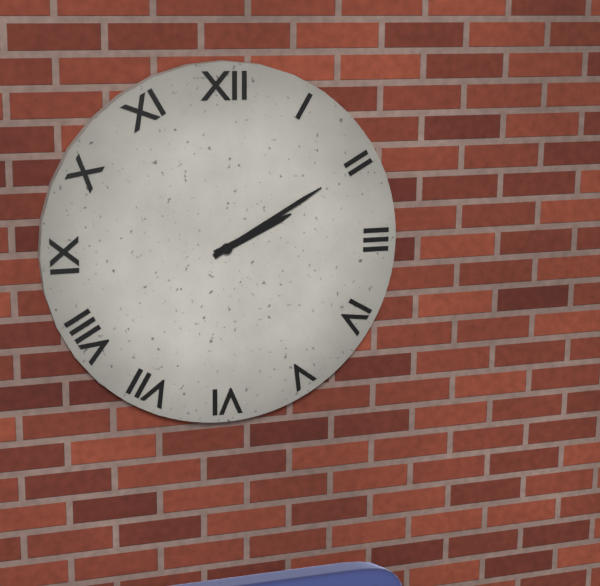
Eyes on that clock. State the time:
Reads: 2:10
